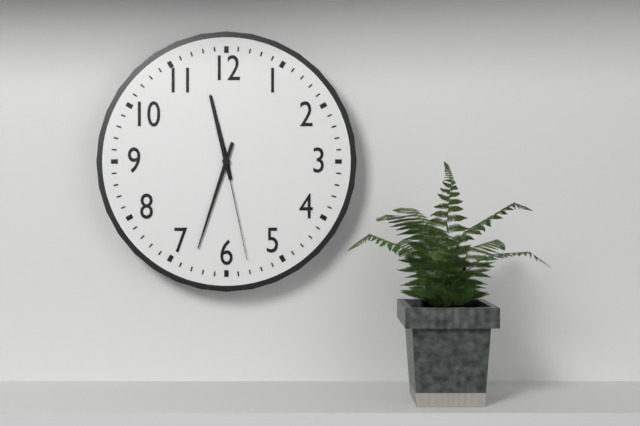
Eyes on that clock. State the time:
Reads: 11:33:28
